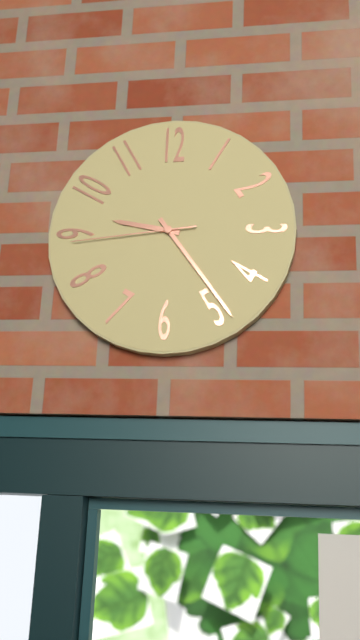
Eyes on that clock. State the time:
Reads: 9:24:44
